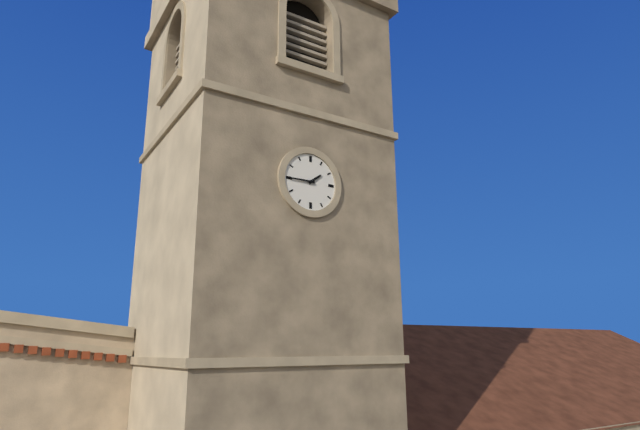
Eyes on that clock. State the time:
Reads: 1:45
